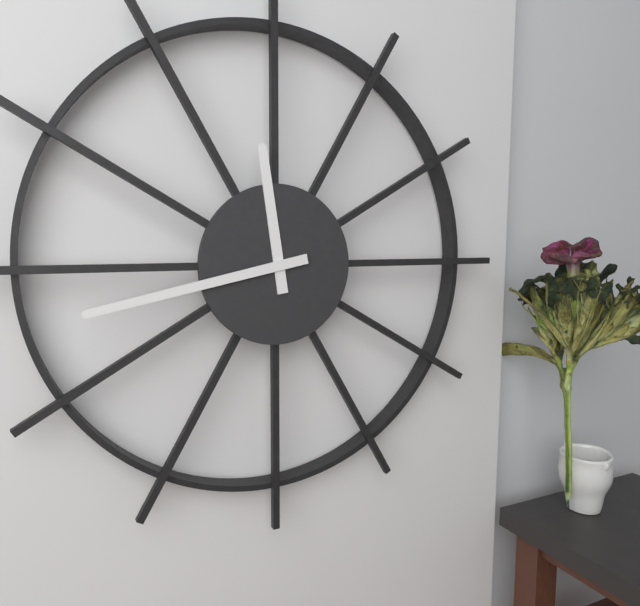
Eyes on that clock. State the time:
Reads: 11:43
